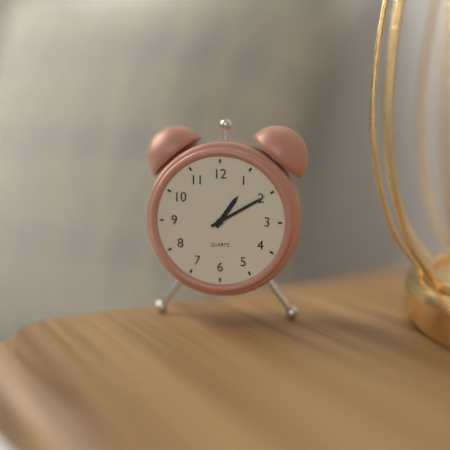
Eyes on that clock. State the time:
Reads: 1:10
